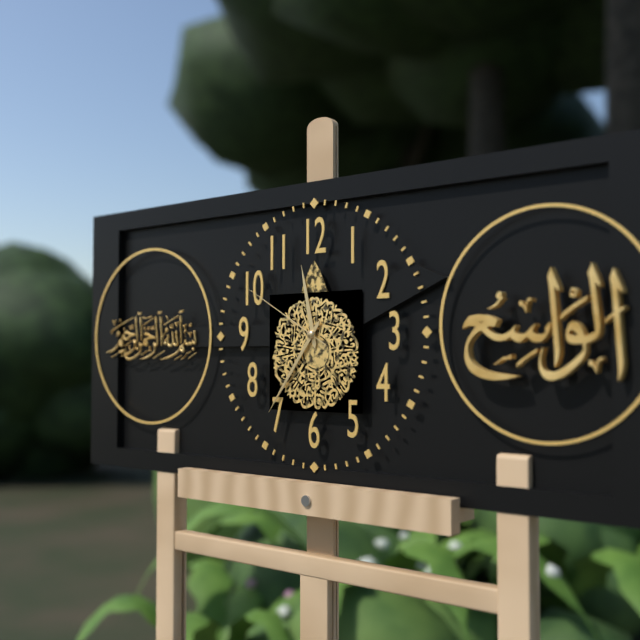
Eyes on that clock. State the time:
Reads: 11:36:50
